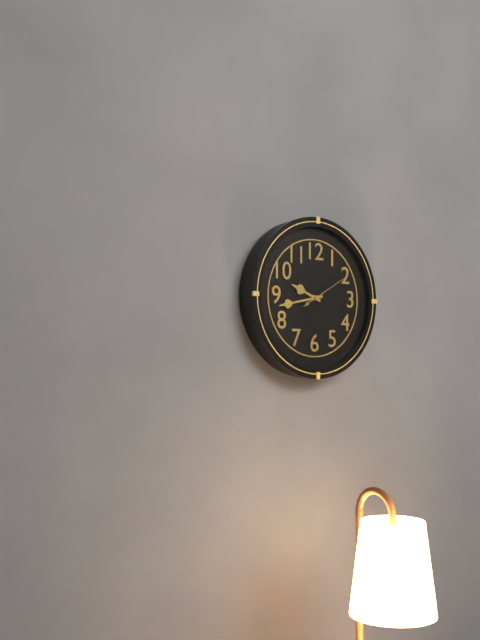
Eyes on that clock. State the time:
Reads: 9:43:10
